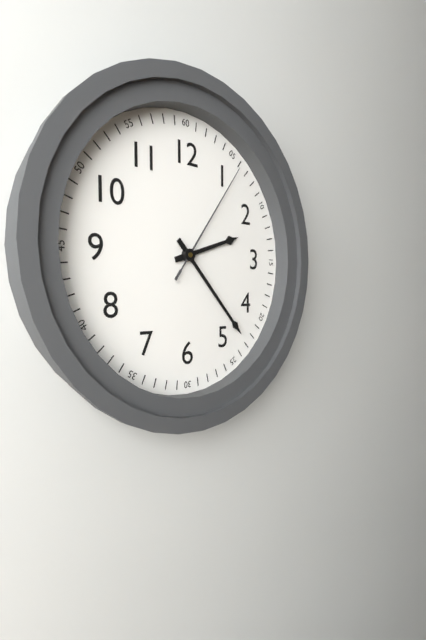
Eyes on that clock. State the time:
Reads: 2:23:06
